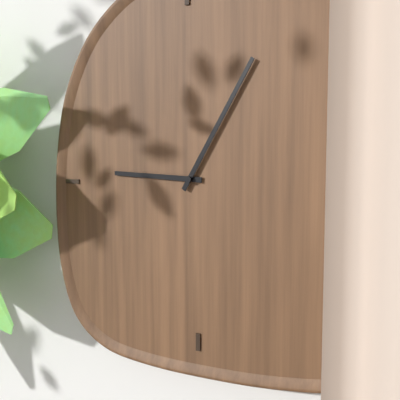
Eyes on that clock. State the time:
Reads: 9:05
